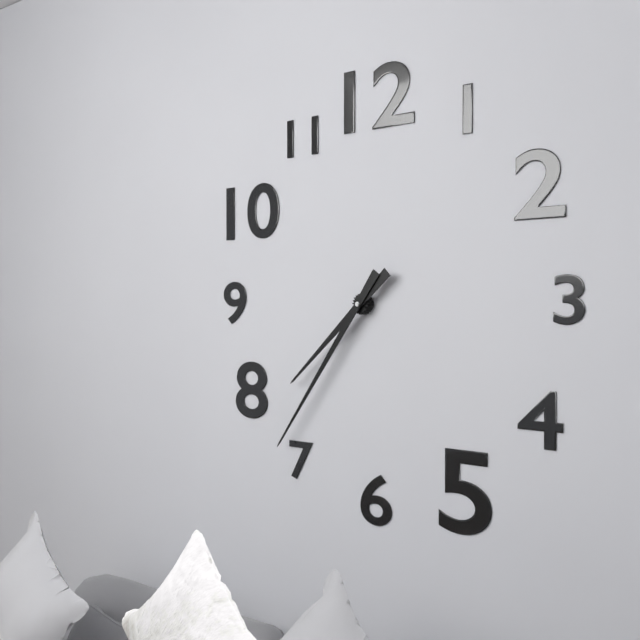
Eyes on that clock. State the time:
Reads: 7:36
